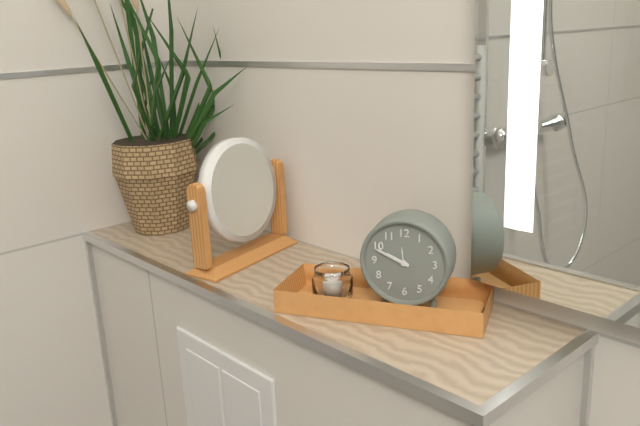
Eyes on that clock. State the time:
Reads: 9:49
